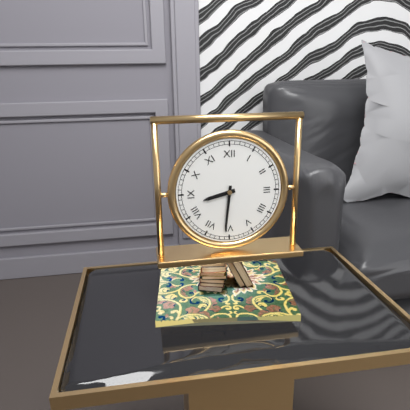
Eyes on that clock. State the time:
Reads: 8:31
